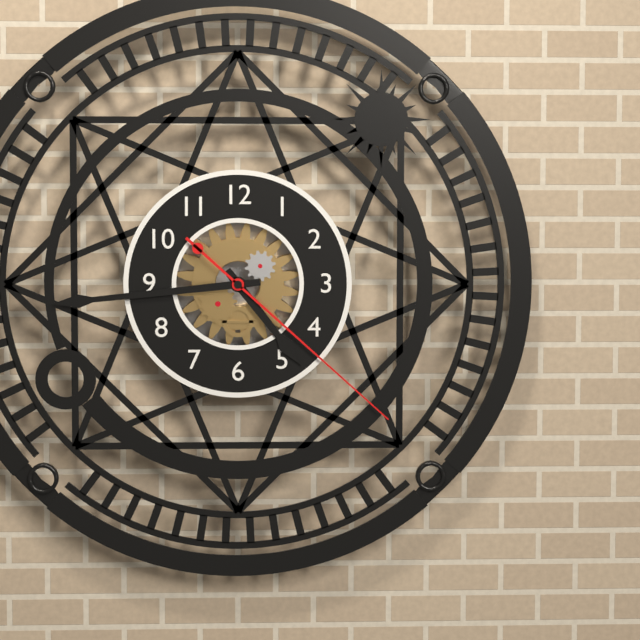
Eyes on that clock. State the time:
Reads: 4:44:22
